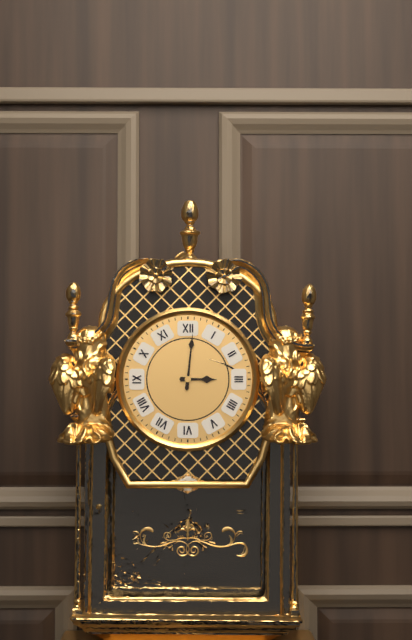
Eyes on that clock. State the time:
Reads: 3:01
